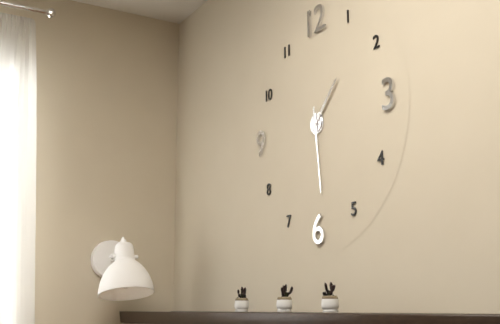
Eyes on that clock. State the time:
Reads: 1:29
